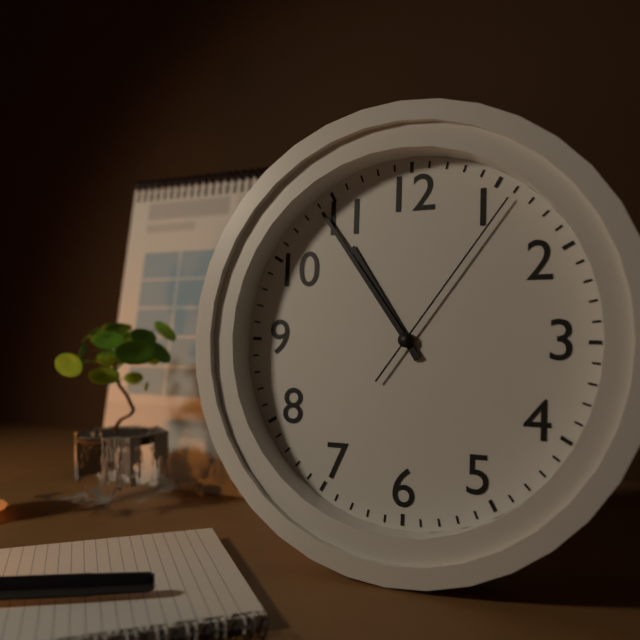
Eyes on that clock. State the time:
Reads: 10:54:06
